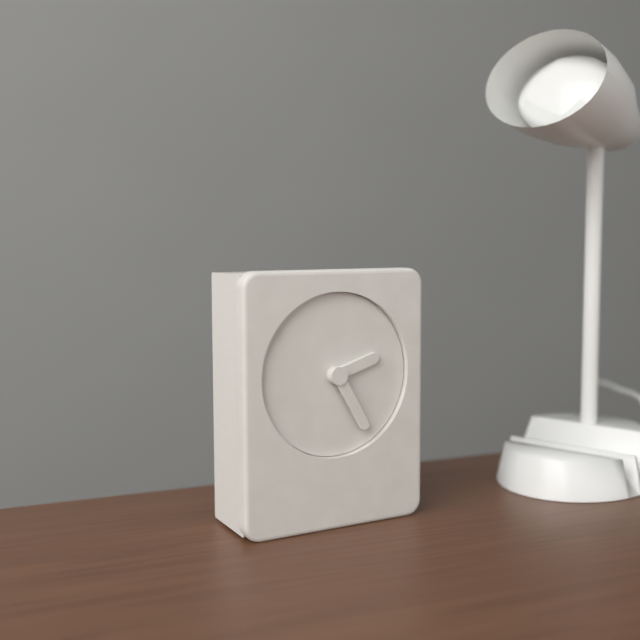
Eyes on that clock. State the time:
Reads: 2:25
